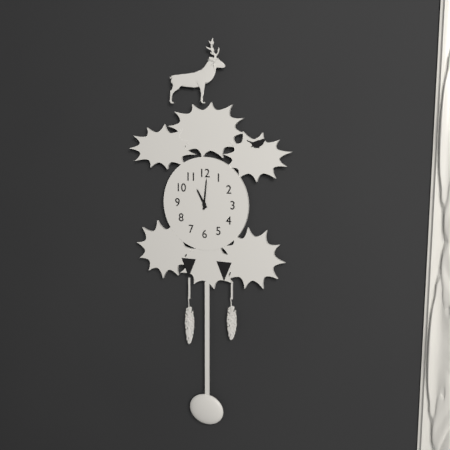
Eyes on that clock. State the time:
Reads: 11:01
